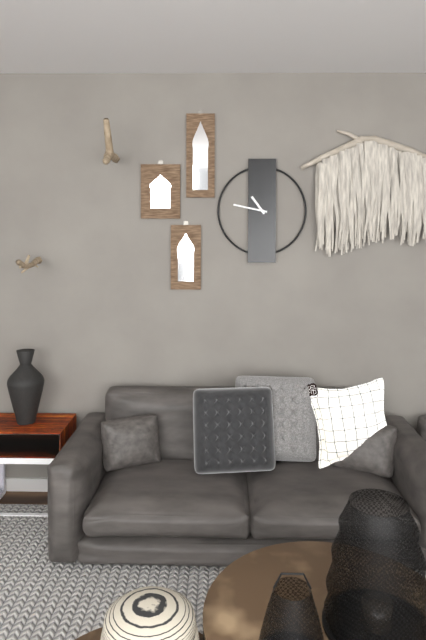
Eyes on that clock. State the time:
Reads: 10:47
